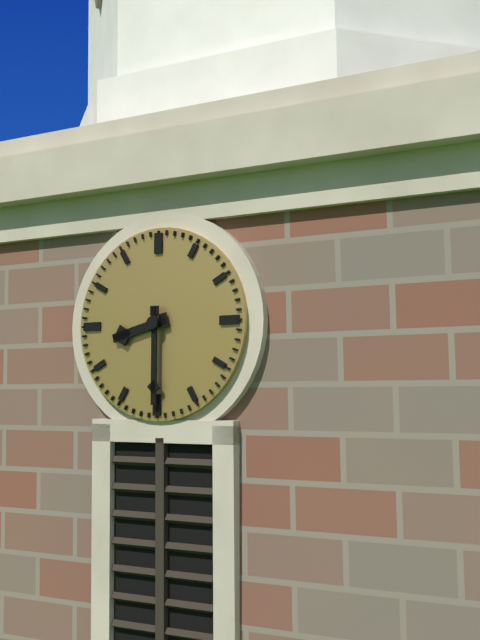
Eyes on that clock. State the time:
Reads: 8:30
